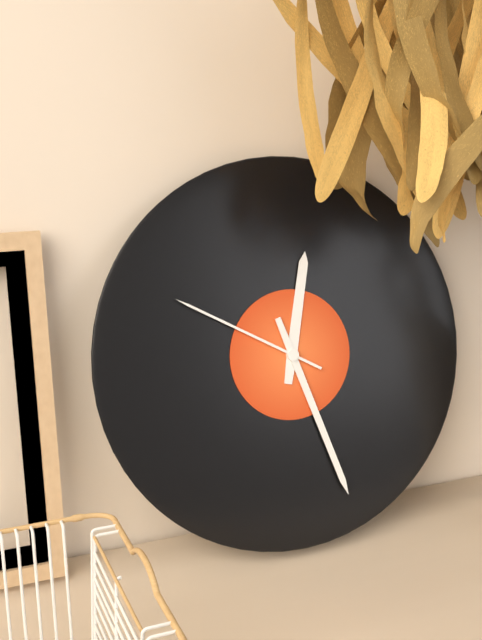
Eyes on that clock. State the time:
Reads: 12:27:50
